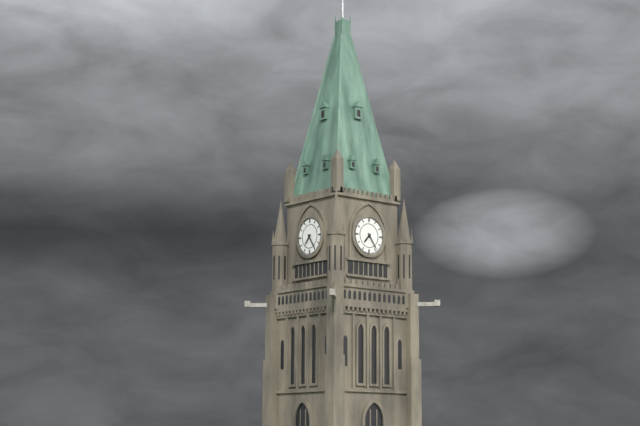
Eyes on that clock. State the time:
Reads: 7:24
